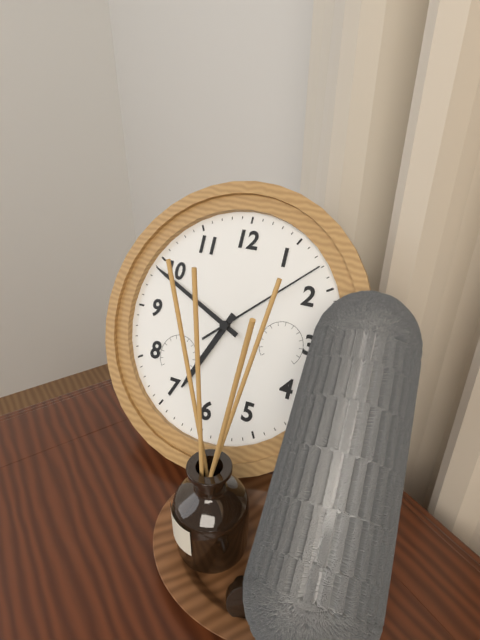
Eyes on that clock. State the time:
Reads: 6:49:08
